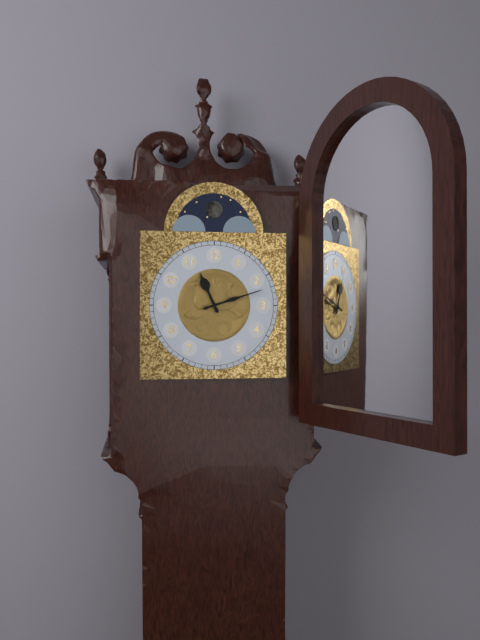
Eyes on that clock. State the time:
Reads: 11:12
